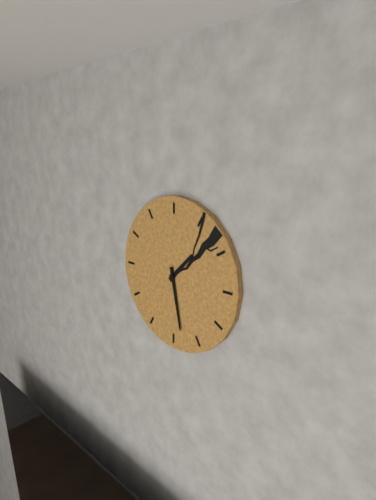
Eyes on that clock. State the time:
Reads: 1:28
